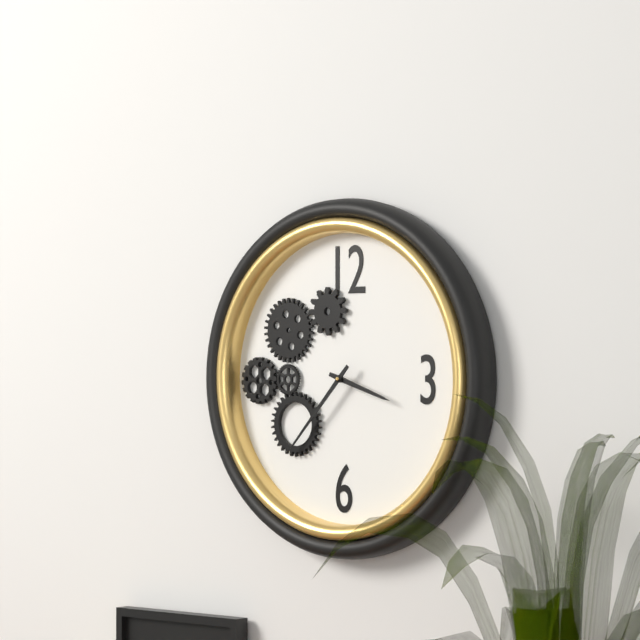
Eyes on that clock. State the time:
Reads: 3:37
